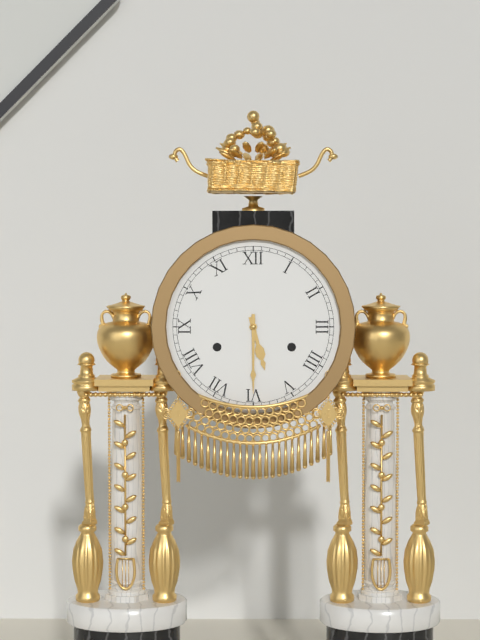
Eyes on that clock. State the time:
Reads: 5:30
